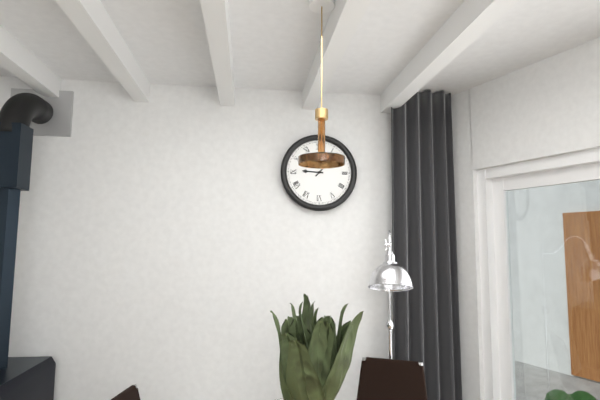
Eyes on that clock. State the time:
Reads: 9:07
